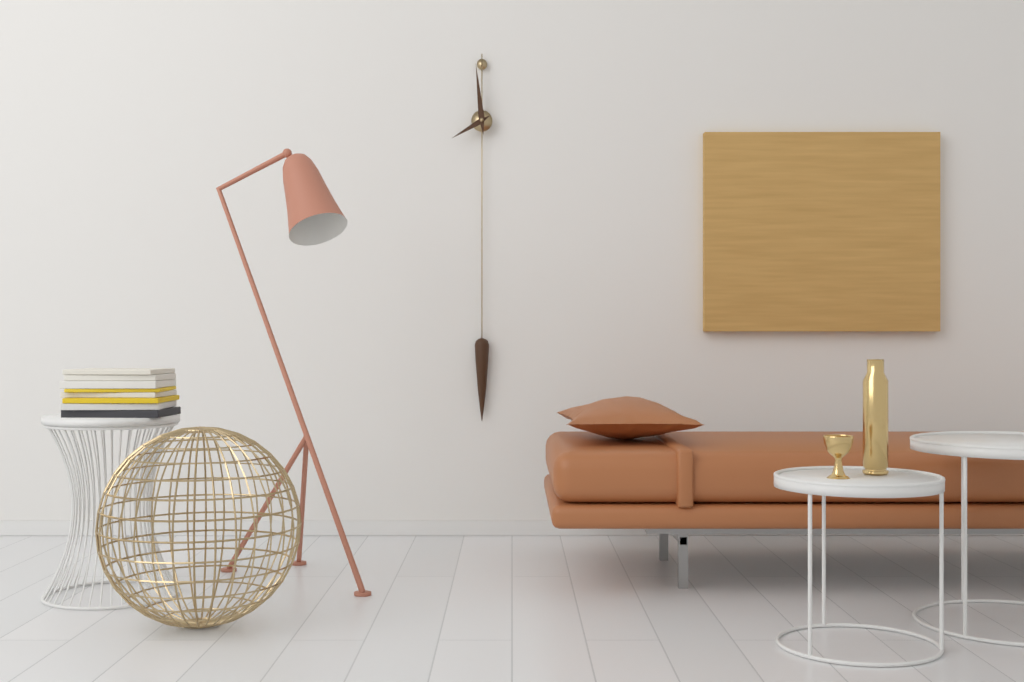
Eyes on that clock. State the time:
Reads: 7:59
